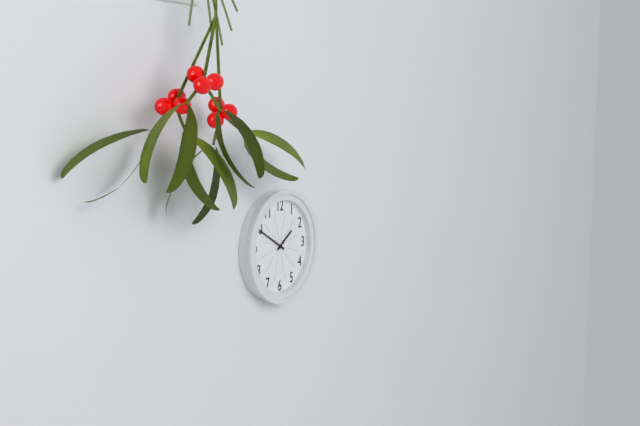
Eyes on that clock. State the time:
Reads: 1:50
